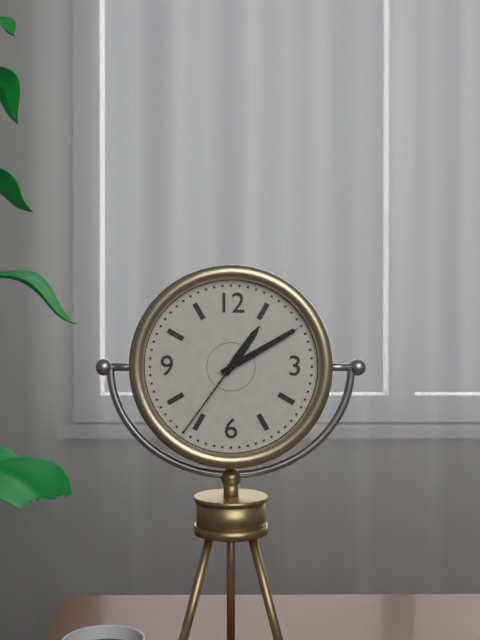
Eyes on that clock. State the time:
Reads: 1:10:36
